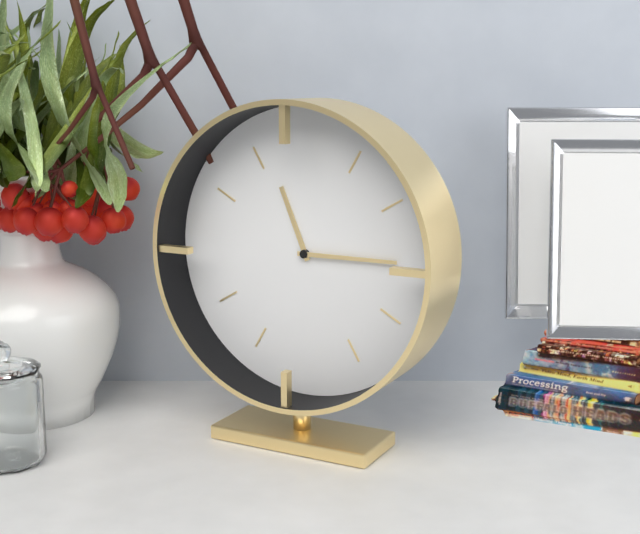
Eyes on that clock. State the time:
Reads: 11:15
